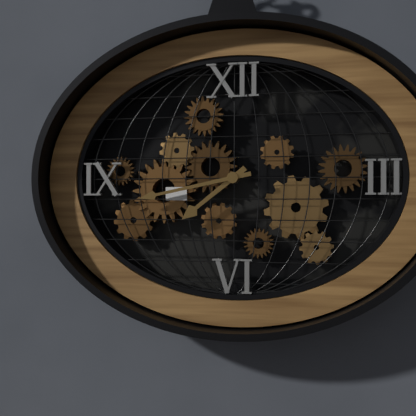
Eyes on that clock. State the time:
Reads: 7:43
